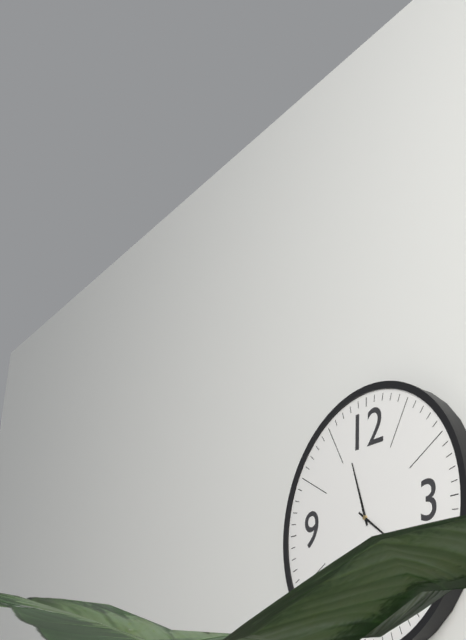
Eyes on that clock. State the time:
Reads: 11:21
